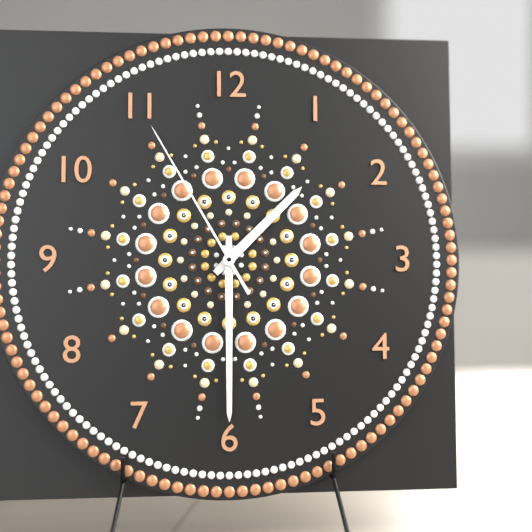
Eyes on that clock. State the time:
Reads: 1:30:55
